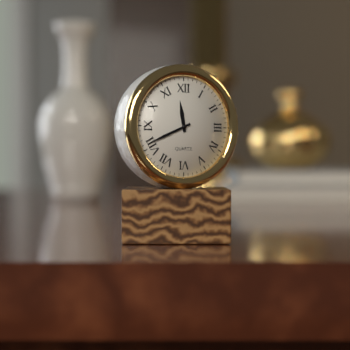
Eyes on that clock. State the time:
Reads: 11:41
